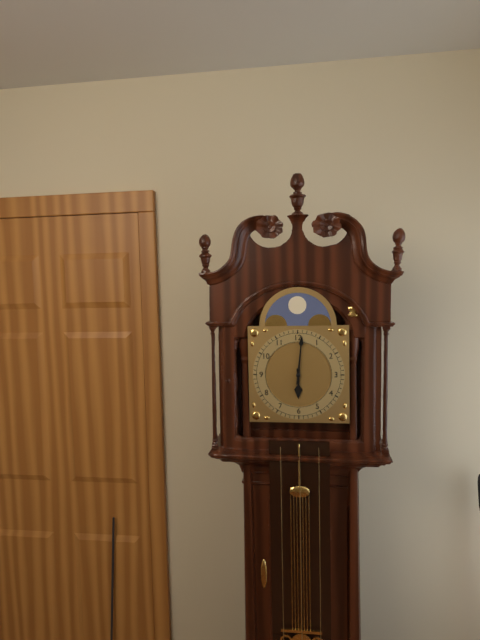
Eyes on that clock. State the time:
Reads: 6:01
